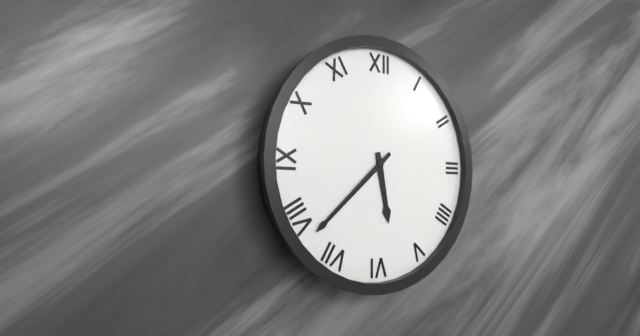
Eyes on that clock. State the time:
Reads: 5:38
